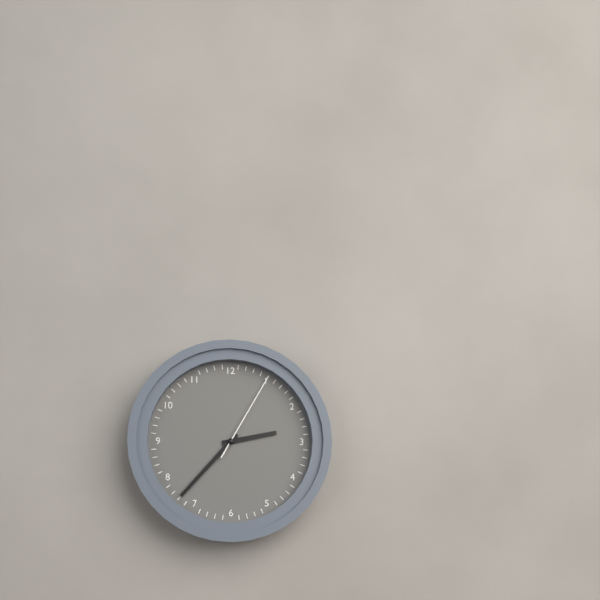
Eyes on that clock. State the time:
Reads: 2:37:05
